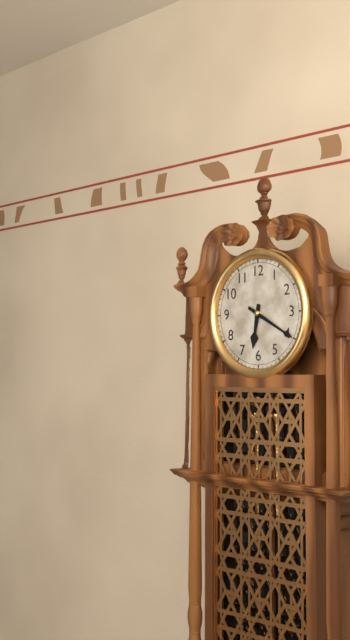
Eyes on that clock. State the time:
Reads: 6:20
